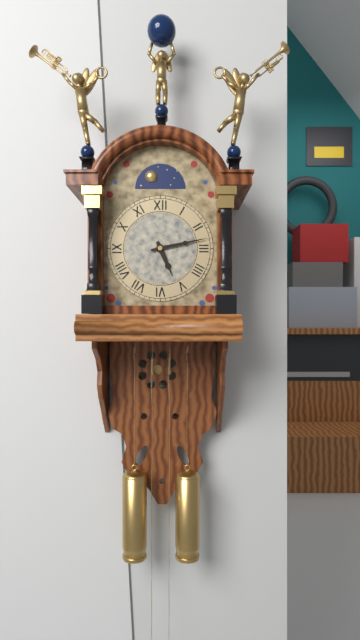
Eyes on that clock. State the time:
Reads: 5:13
